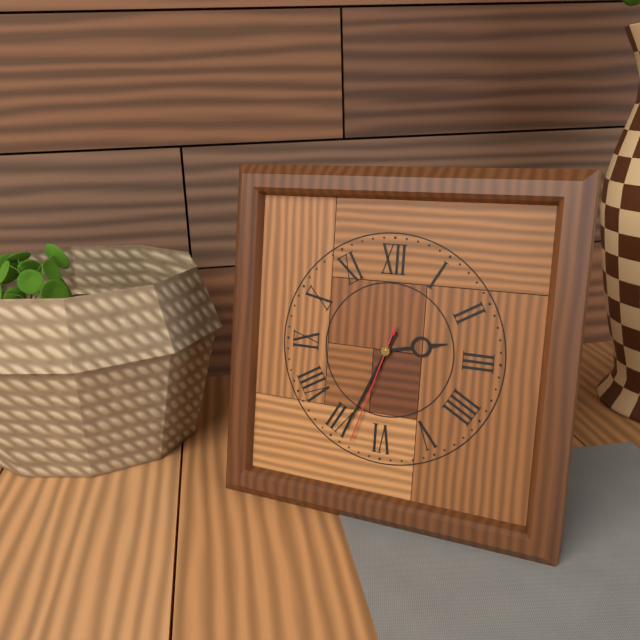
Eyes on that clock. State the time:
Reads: 2:34:33
